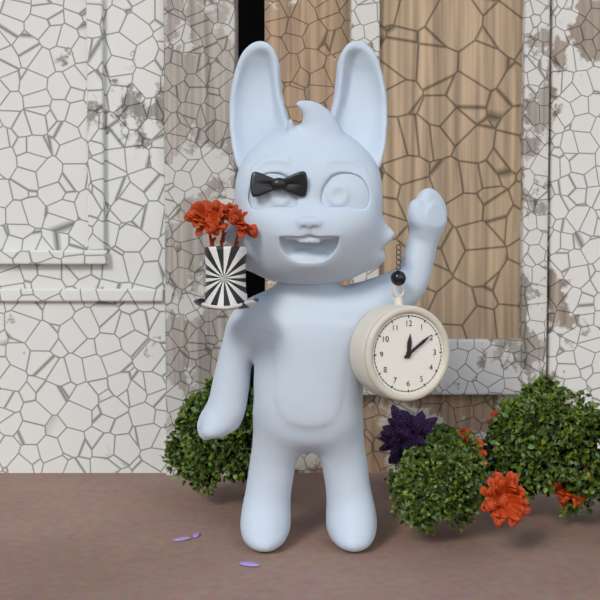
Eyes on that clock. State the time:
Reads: 12:09
